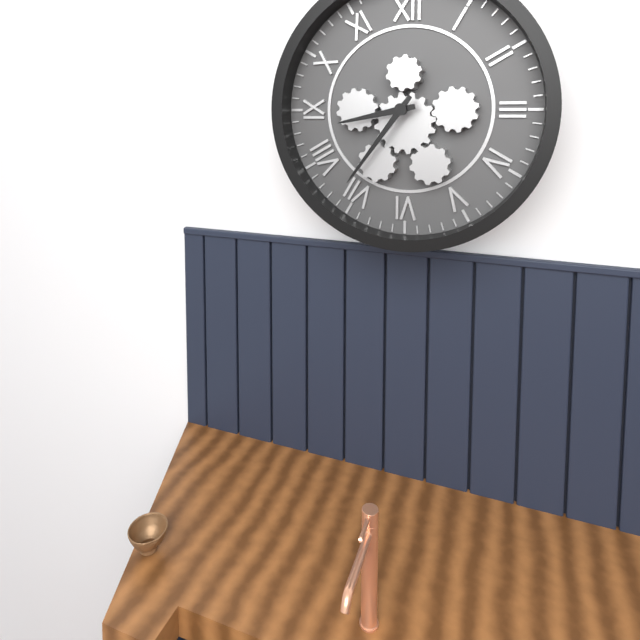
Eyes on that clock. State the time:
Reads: 8:36
